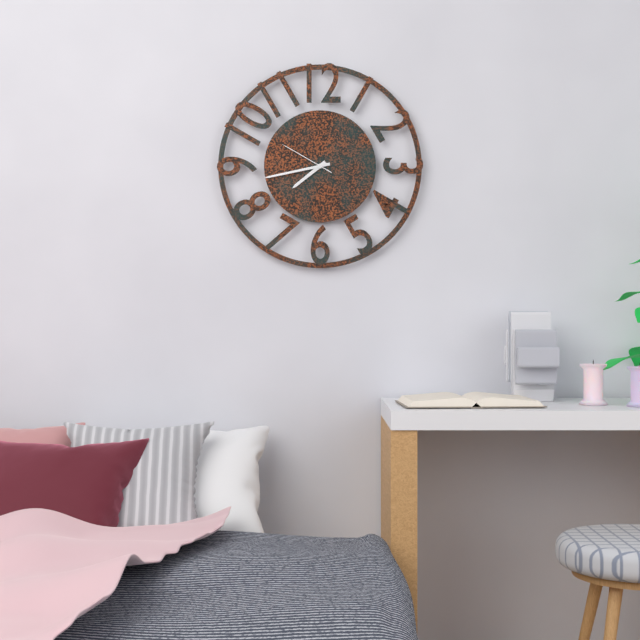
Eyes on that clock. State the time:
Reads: 7:43:50
